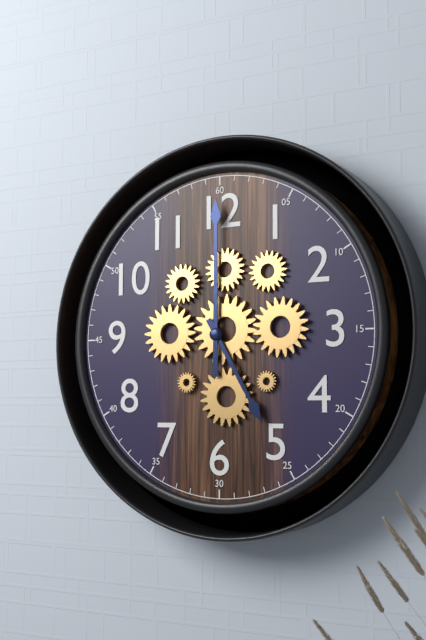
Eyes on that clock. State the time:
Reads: 5:00
